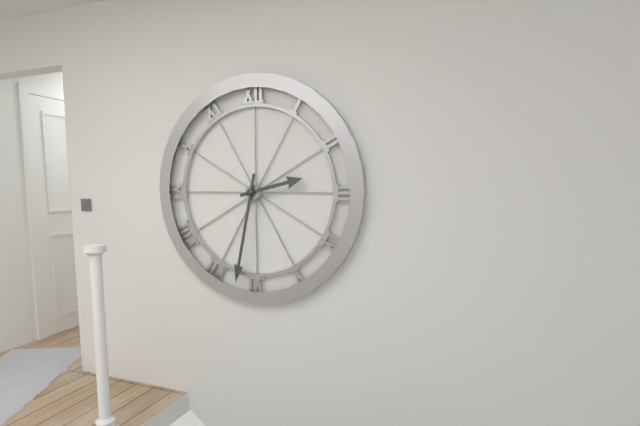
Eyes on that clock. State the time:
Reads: 2:32
